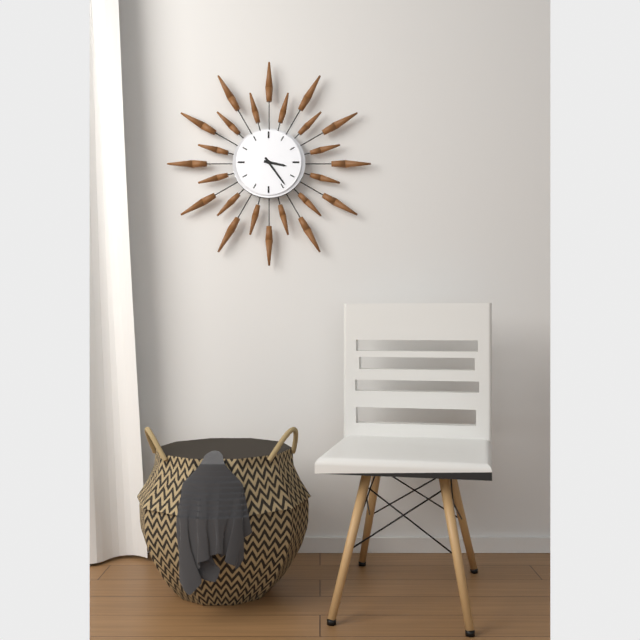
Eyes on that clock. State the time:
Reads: 3:24
